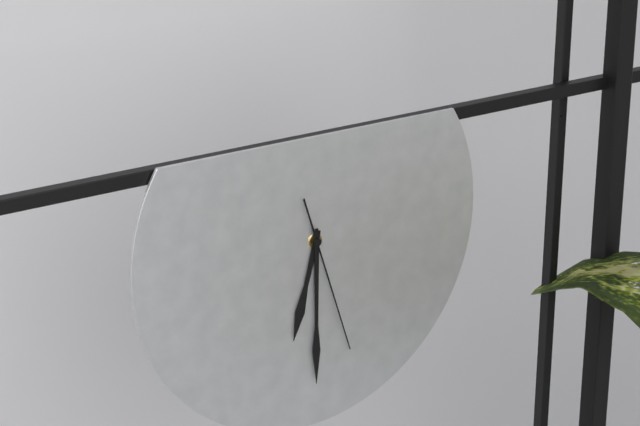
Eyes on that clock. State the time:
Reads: 6:30:27
